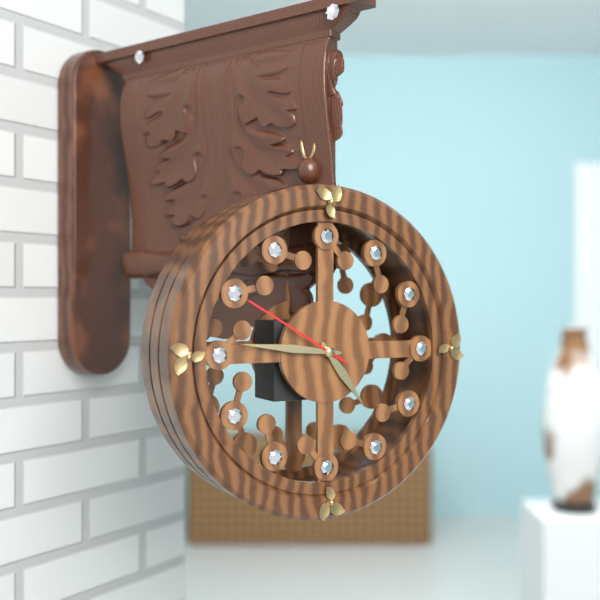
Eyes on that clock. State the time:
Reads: 4:46:50
